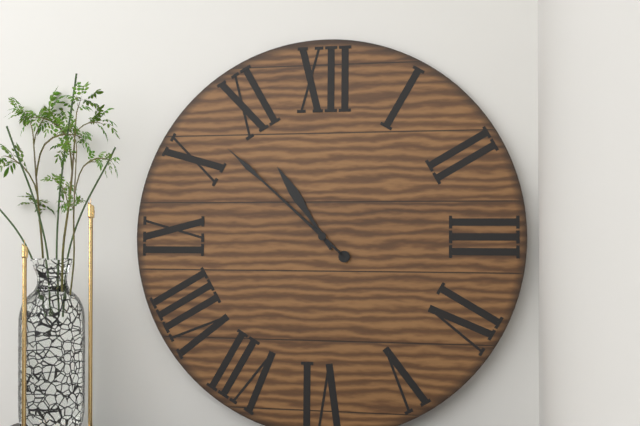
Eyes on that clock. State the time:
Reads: 10:52
